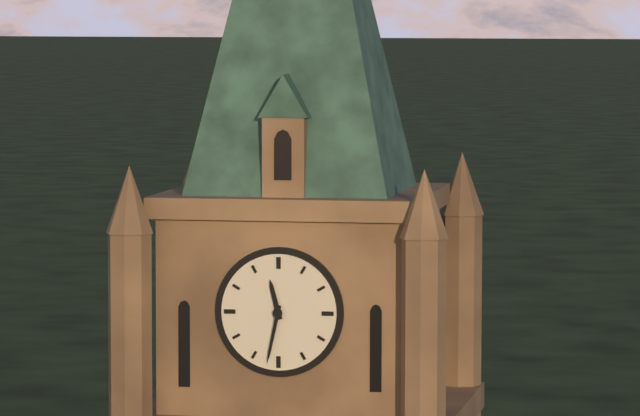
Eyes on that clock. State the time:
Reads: 11:32
